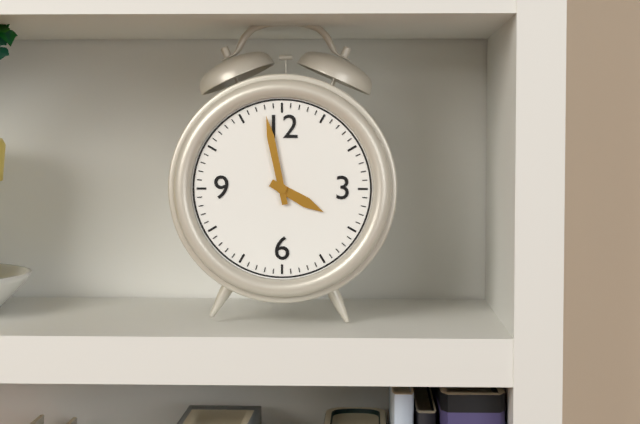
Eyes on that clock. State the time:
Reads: 3:58
